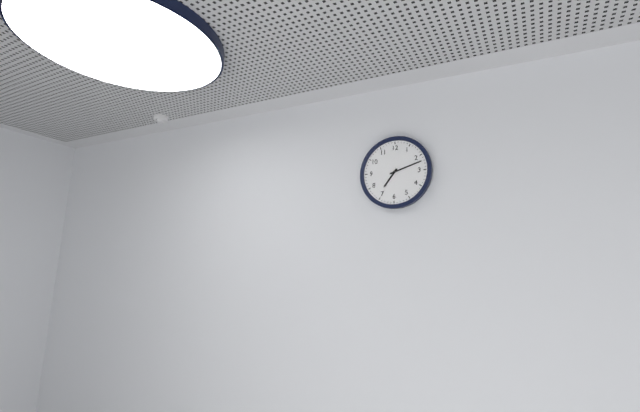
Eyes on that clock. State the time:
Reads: 7:12
